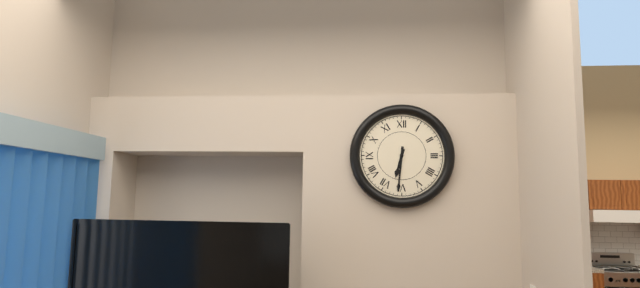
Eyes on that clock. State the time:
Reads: 6:31
